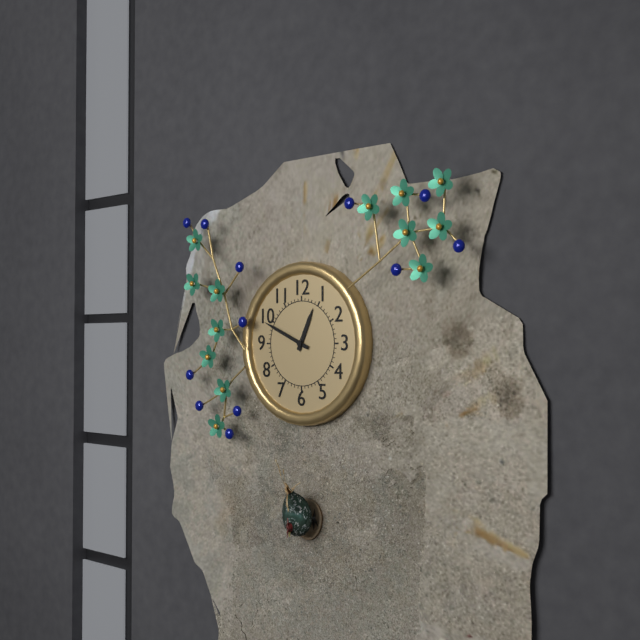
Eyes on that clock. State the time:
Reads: 12:49
